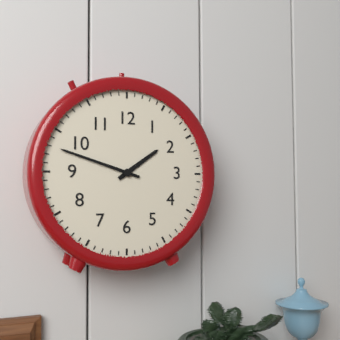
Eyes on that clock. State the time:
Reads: 1:48
